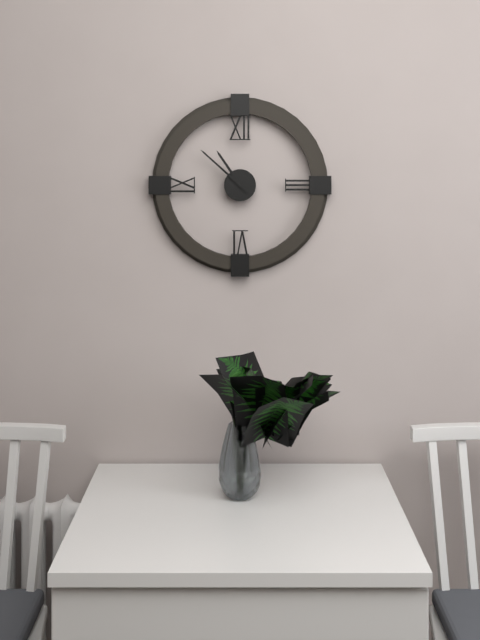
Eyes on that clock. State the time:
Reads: 10:52
